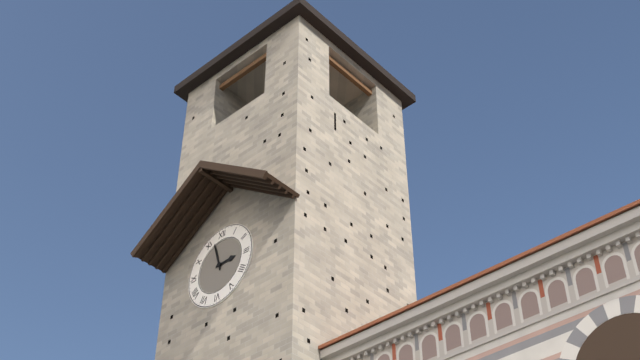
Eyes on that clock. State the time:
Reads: 2:57
